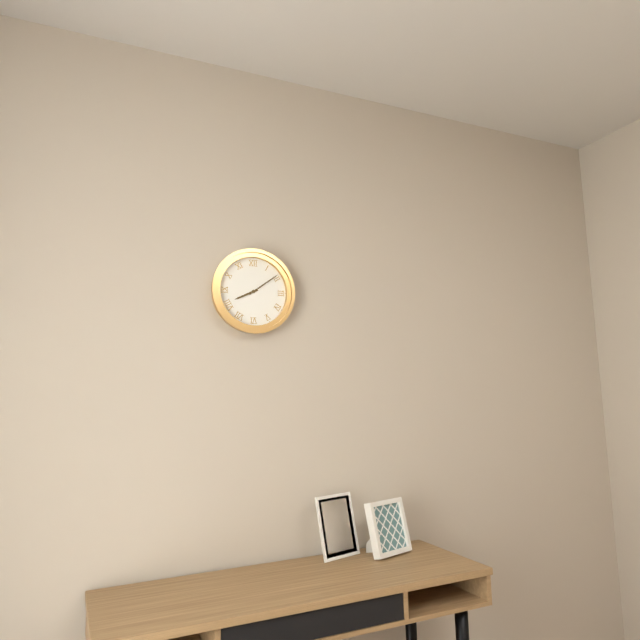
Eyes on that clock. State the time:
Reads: 8:09
